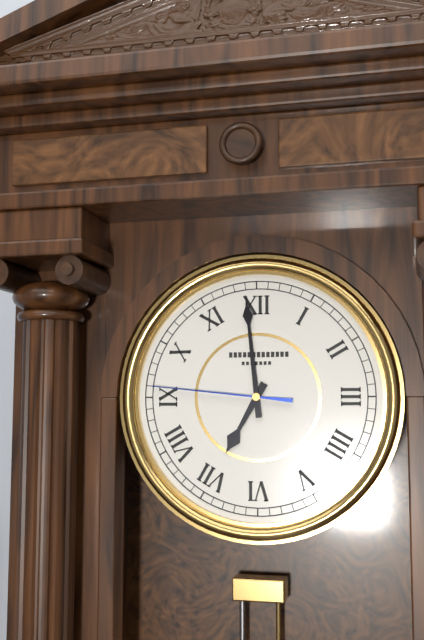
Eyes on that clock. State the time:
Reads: 6:59:46
